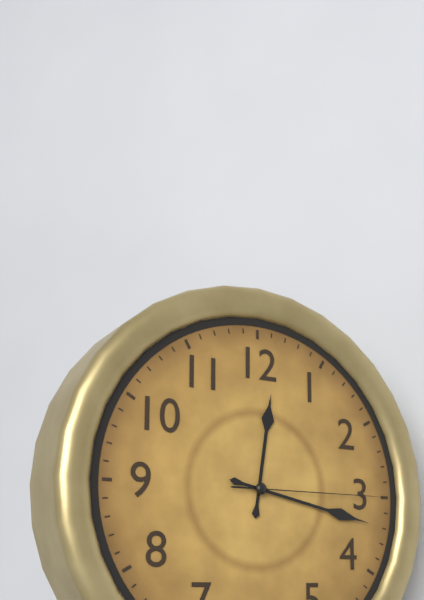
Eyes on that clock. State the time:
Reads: 12:17:15
